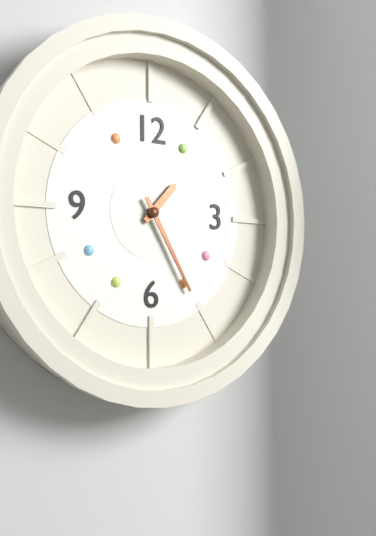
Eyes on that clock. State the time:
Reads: 1:25
